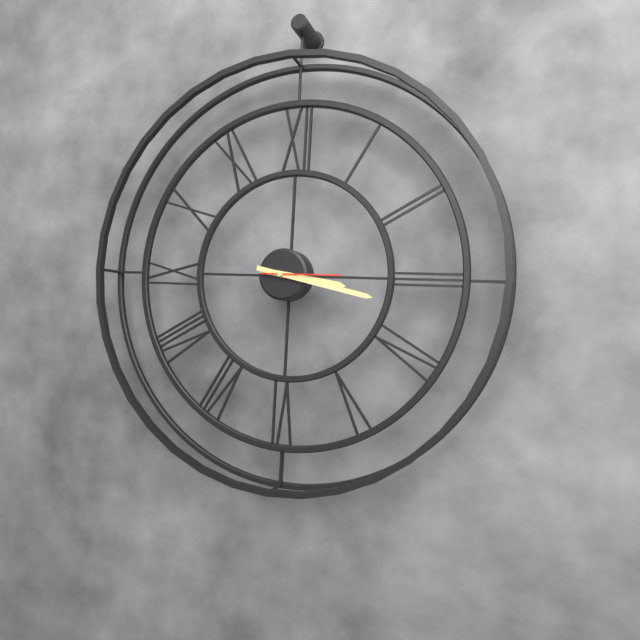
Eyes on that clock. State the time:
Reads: 3:17:15
